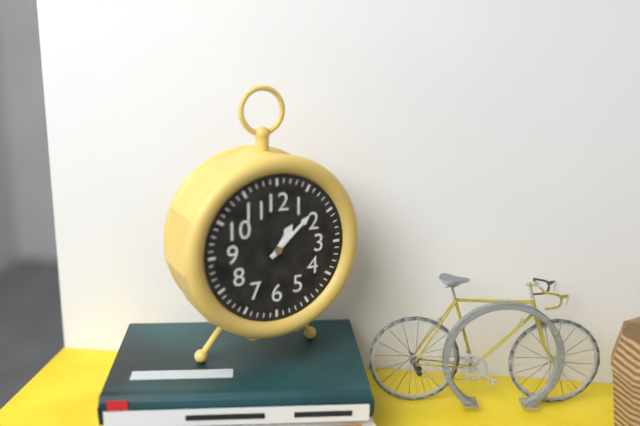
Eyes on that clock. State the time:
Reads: 1:08
